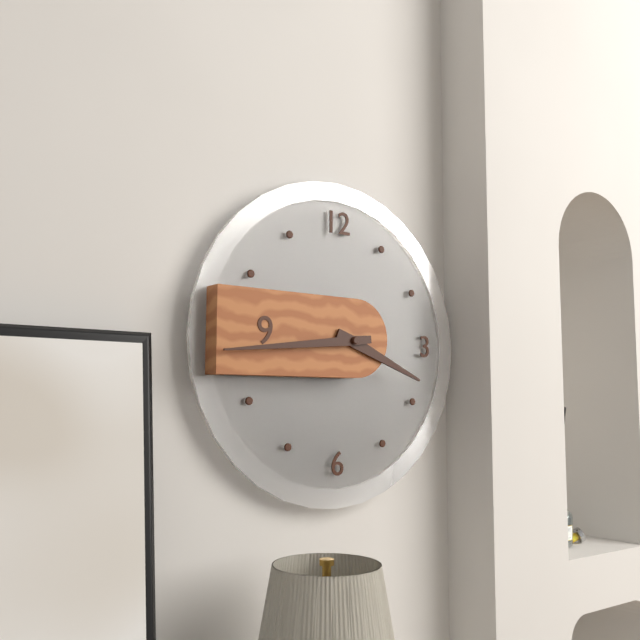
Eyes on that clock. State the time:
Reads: 3:44
